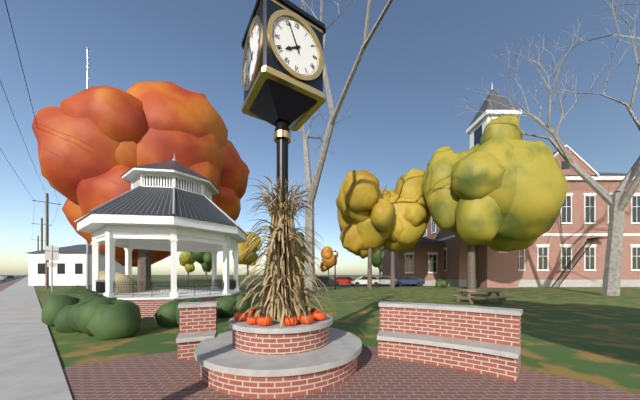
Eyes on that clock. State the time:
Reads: 7:56
